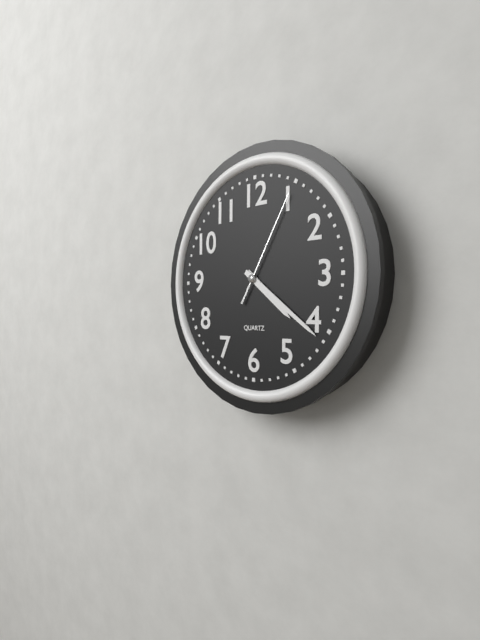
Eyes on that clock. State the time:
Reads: 4:21:05
